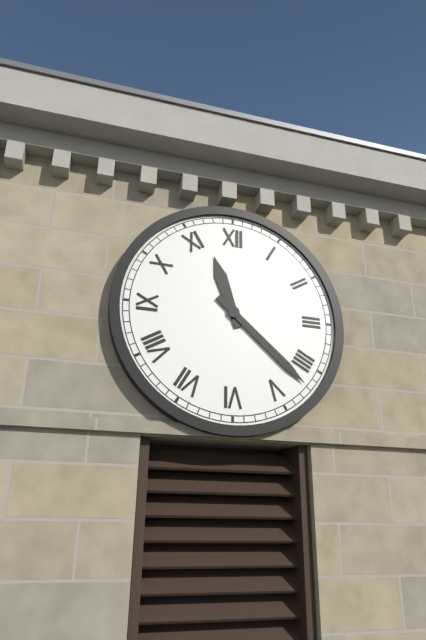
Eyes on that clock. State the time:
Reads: 11:22
